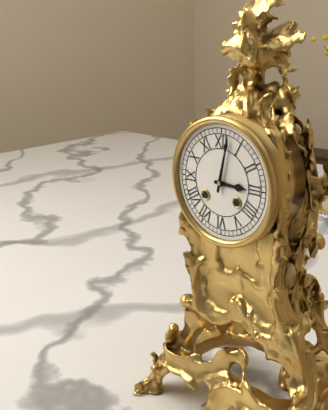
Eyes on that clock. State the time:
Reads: 3:02
